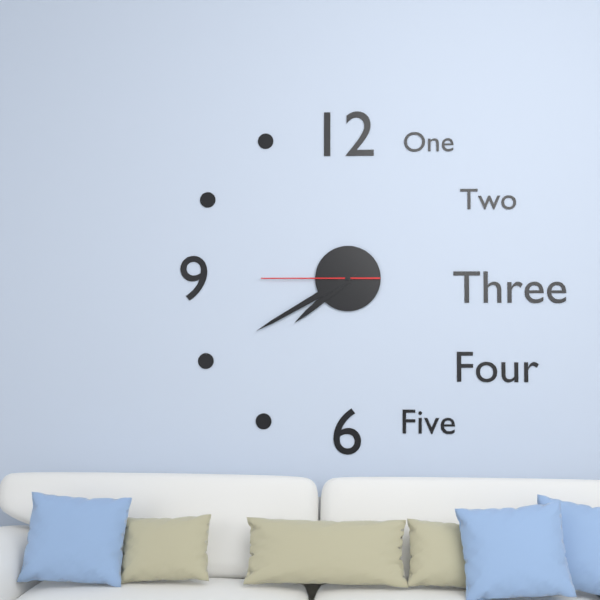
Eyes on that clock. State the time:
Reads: 7:40:45
